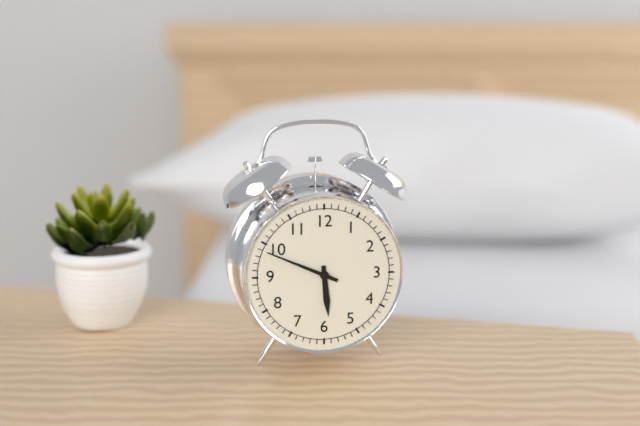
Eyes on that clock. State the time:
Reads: 5:49
